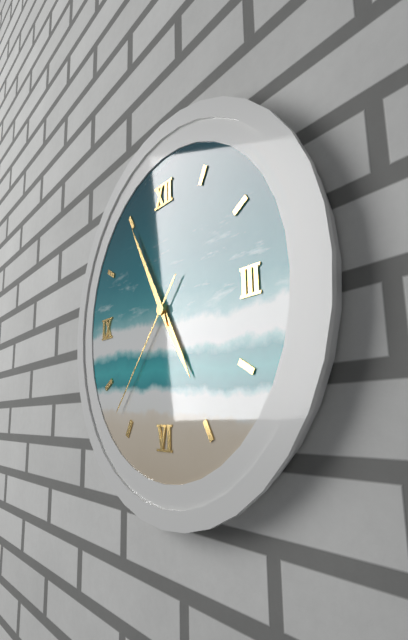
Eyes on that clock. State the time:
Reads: 4:55:37
